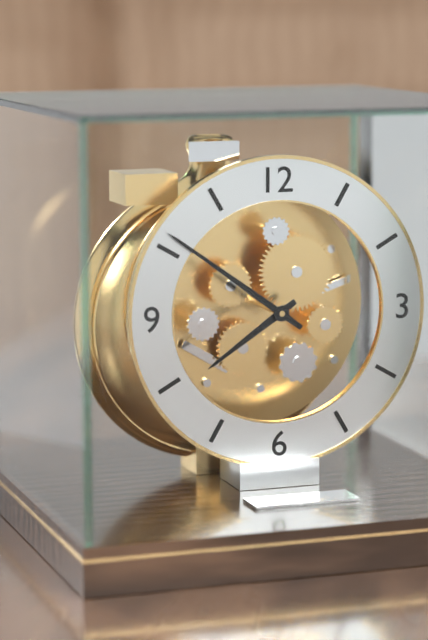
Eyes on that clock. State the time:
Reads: 7:51
